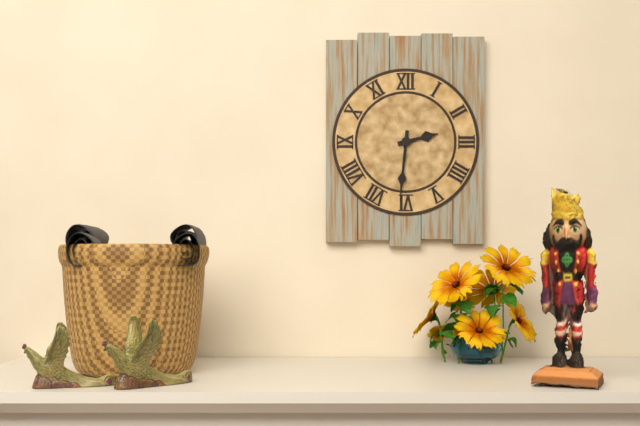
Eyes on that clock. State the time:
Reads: 2:31
